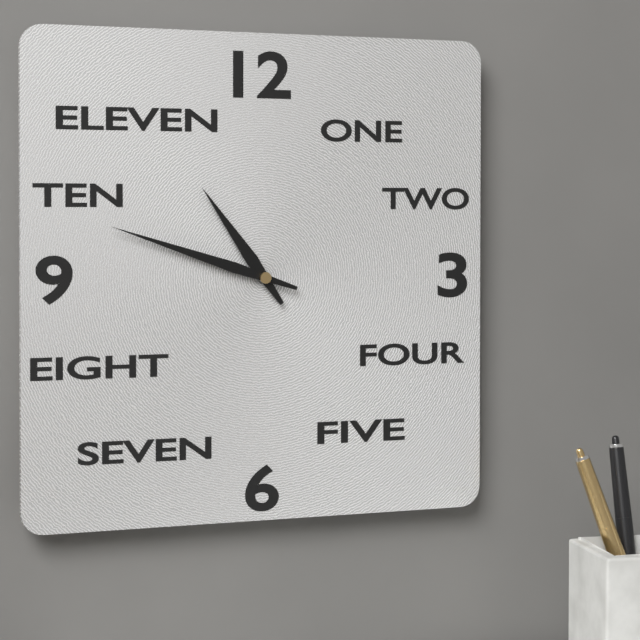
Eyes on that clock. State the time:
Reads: 10:48
